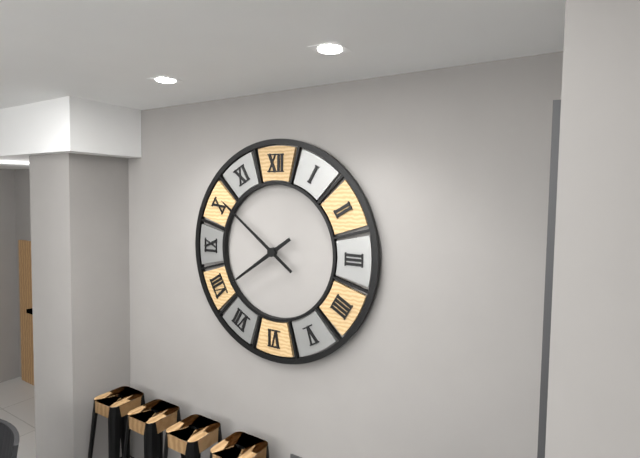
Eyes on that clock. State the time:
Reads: 7:51
